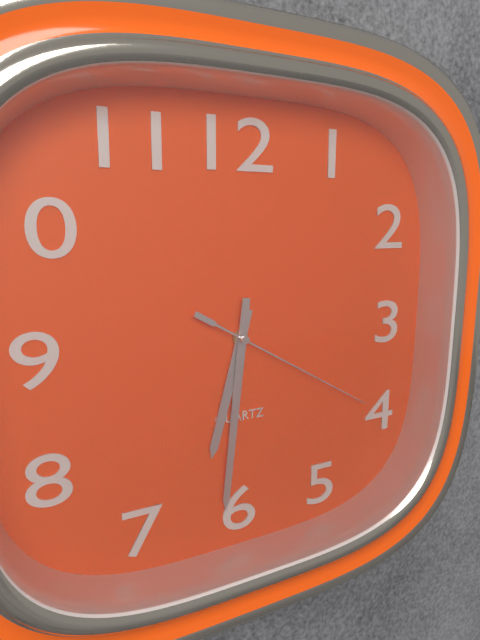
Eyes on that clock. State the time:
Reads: 6:31:20
